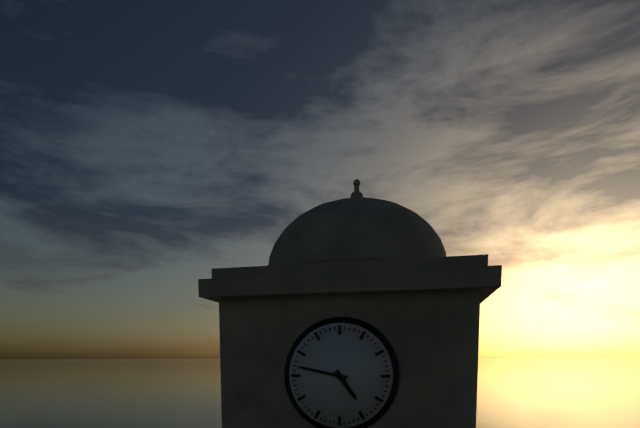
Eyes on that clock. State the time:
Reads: 4:47
